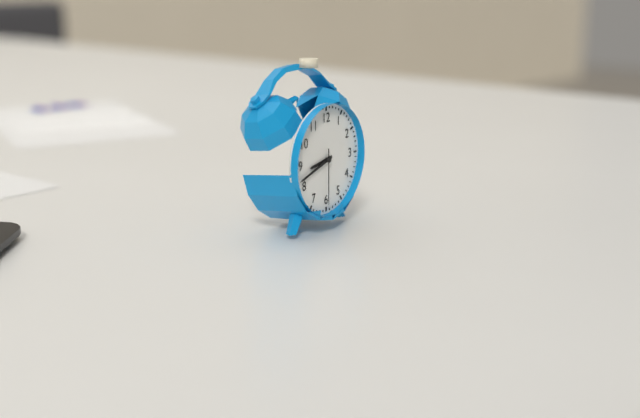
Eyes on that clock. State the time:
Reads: 8:42:30
